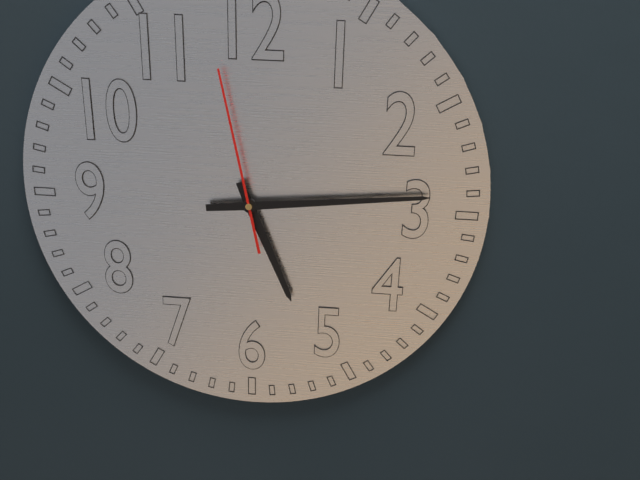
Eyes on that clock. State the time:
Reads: 5:14:58
